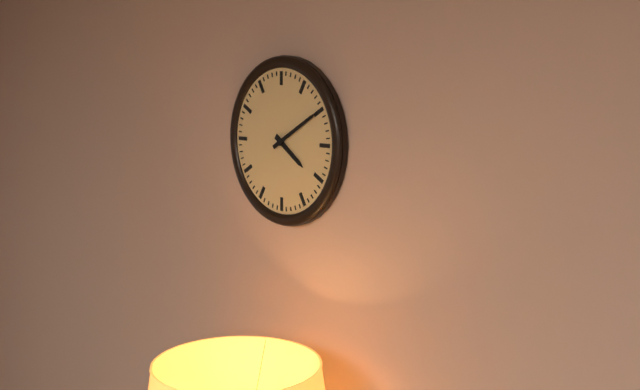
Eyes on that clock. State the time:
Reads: 4:10
